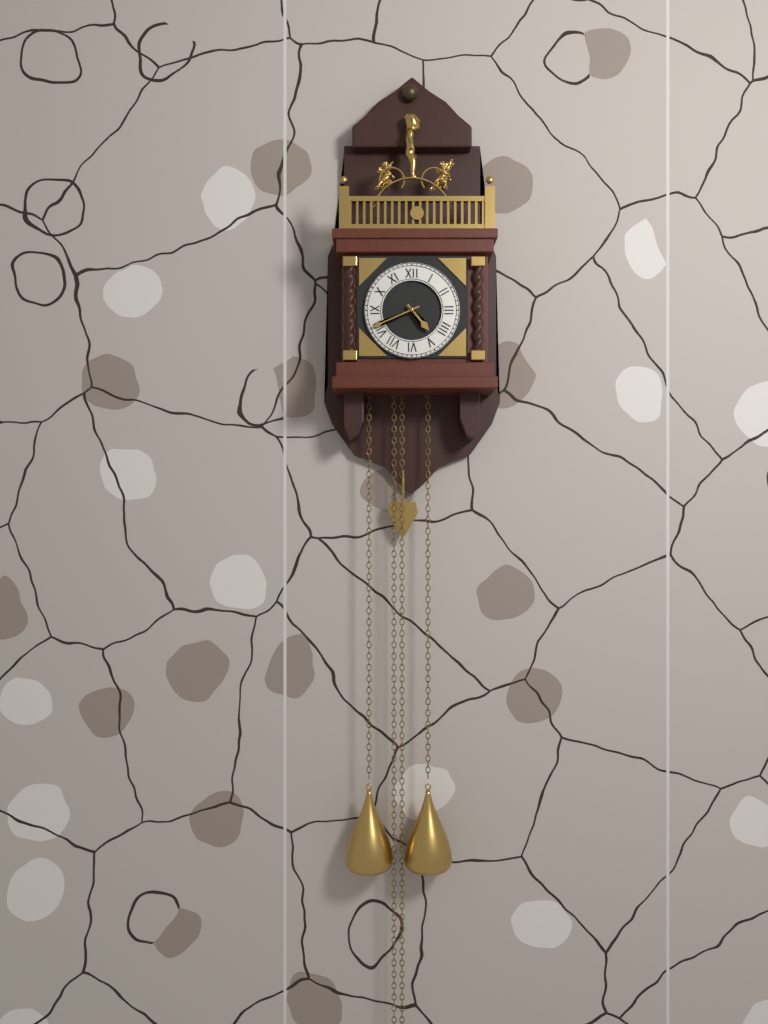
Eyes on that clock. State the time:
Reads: 4:41
